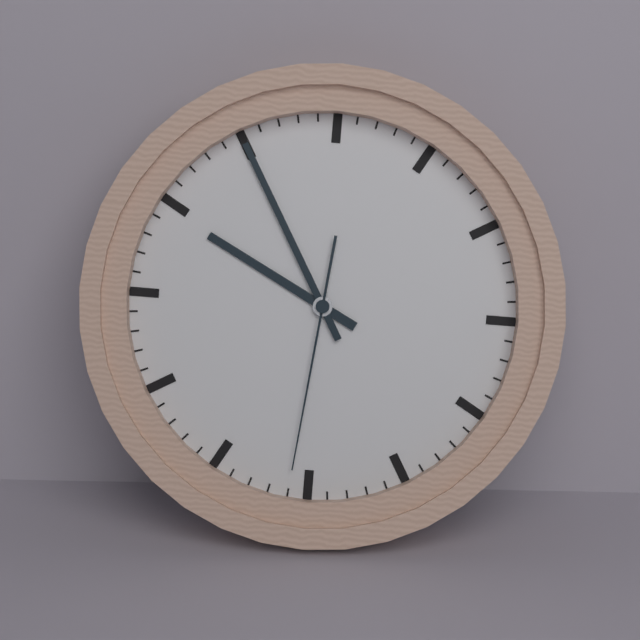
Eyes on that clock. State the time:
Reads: 9:55:31
